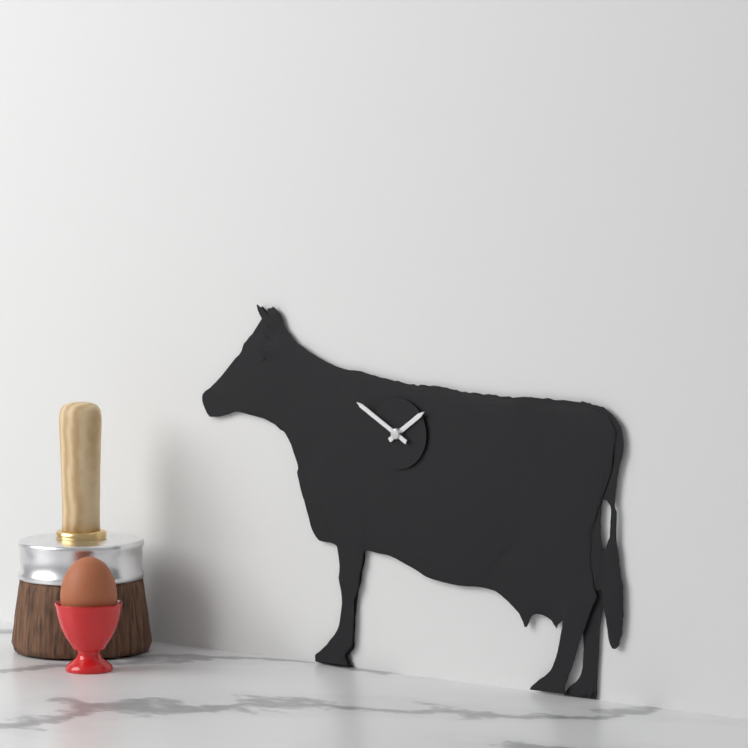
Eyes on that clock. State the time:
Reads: 1:50
